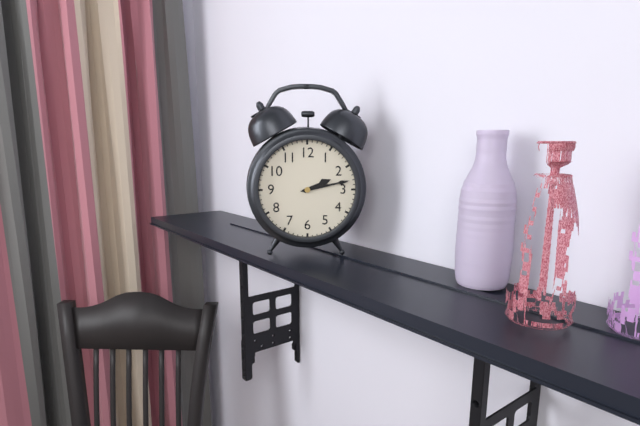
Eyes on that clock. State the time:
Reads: 2:13
